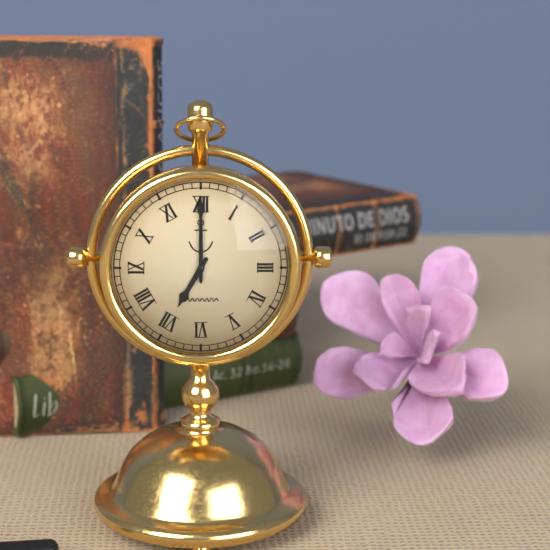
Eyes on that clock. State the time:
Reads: 7:00
